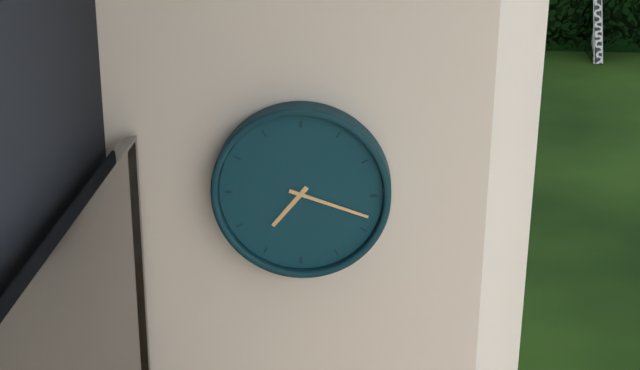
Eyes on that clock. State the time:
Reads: 7:18
